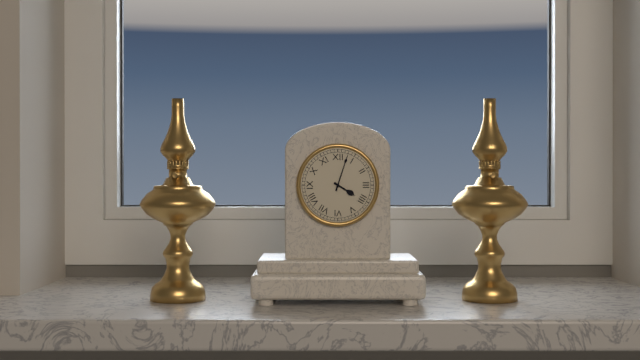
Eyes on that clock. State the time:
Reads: 4:03
